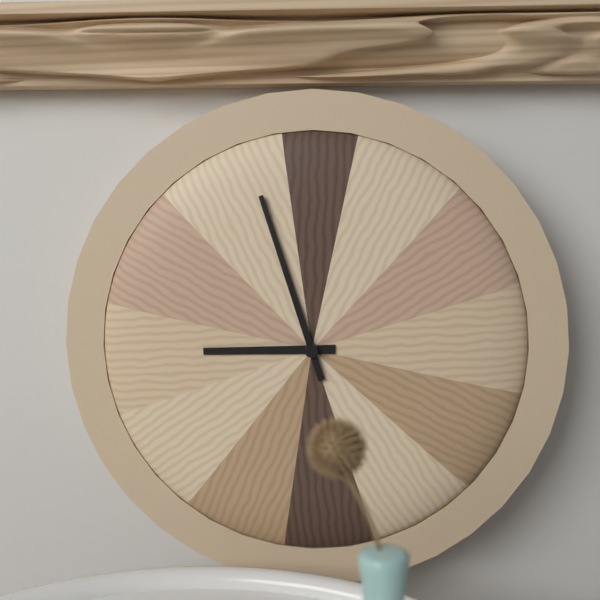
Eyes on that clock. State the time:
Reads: 8:57
